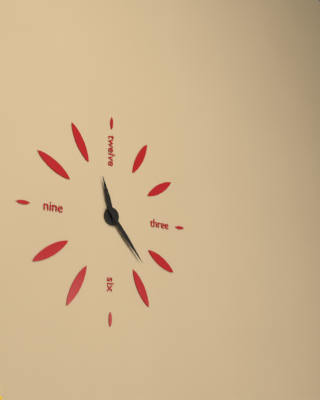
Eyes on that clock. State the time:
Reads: 11:23
